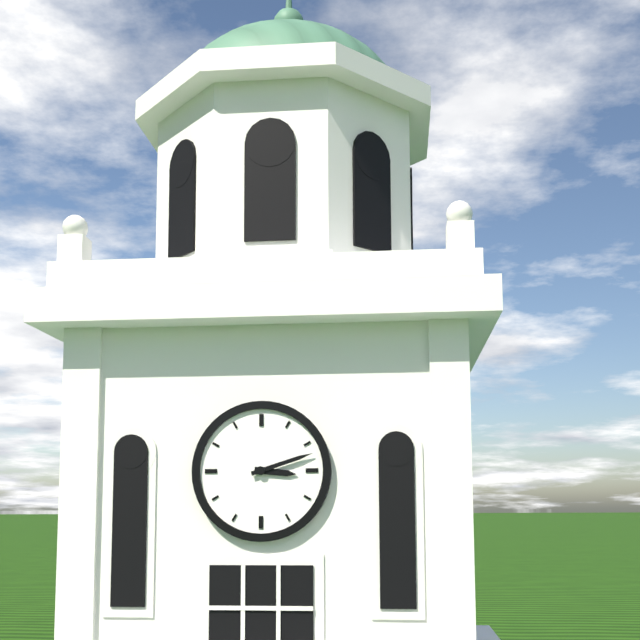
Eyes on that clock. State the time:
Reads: 3:12
